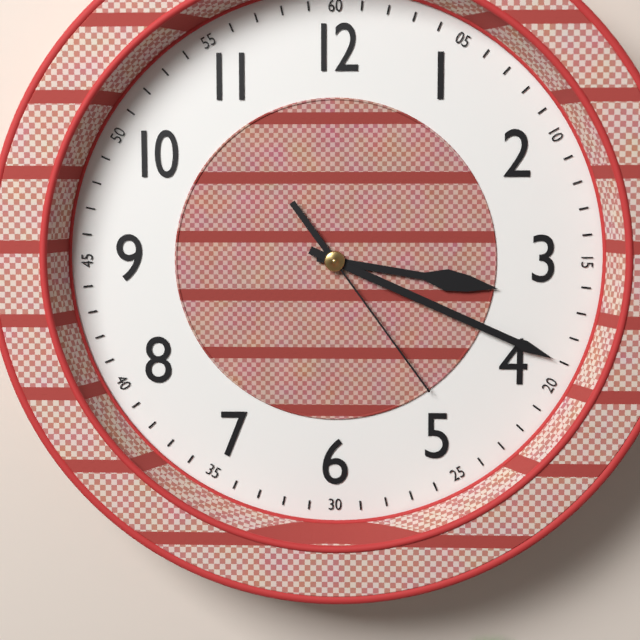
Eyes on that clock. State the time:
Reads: 3:19:24
